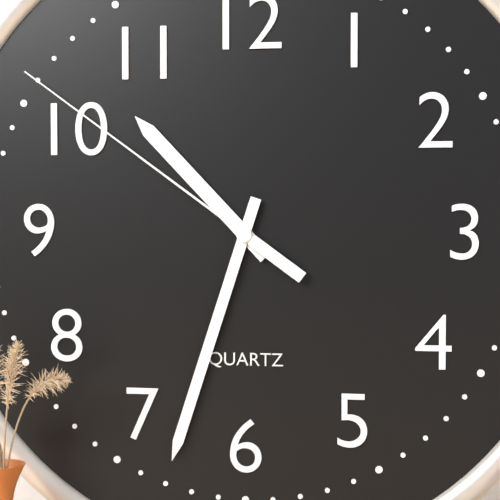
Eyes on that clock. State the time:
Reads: 10:33:51
